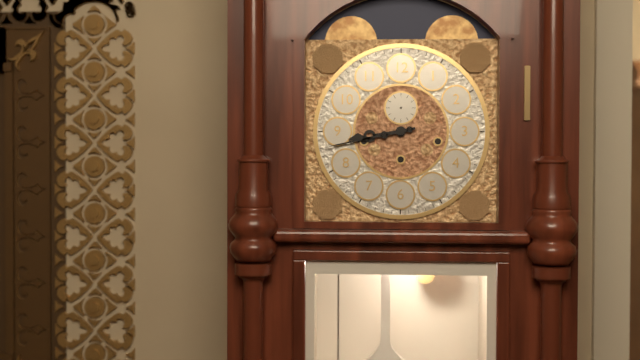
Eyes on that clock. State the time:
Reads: 8:43
